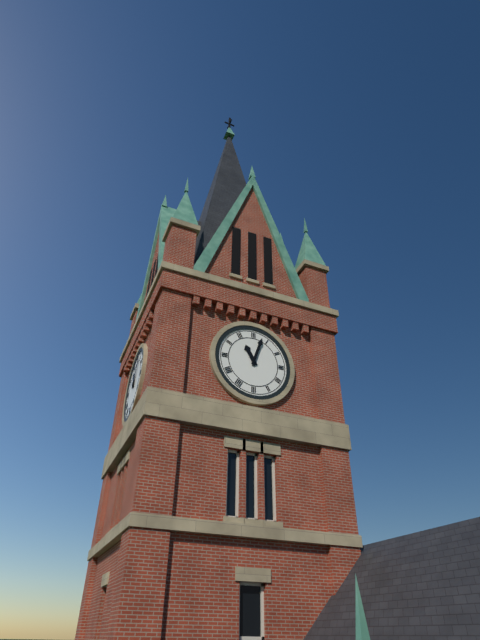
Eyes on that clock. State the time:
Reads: 11:03
